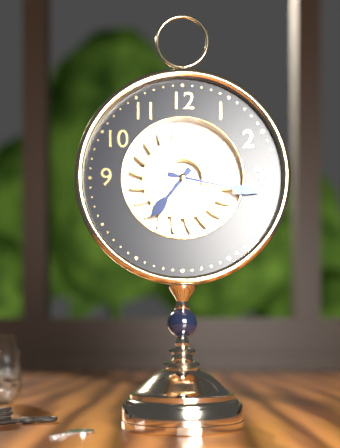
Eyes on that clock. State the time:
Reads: 7:17
